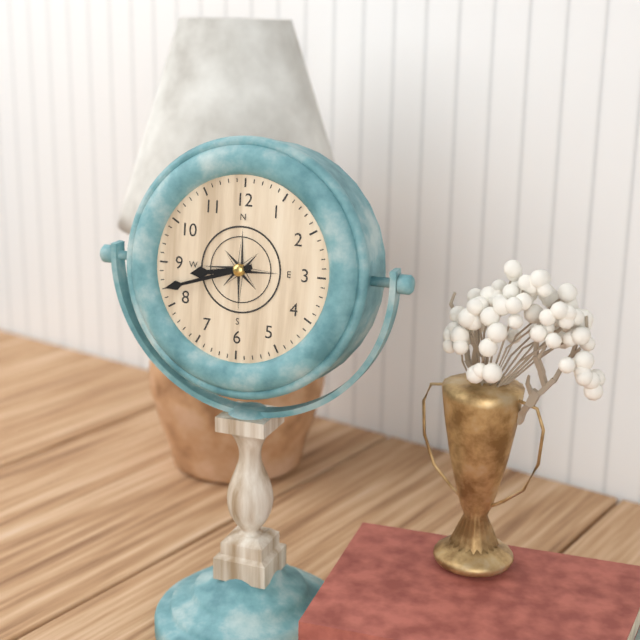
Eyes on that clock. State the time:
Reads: 8:42
